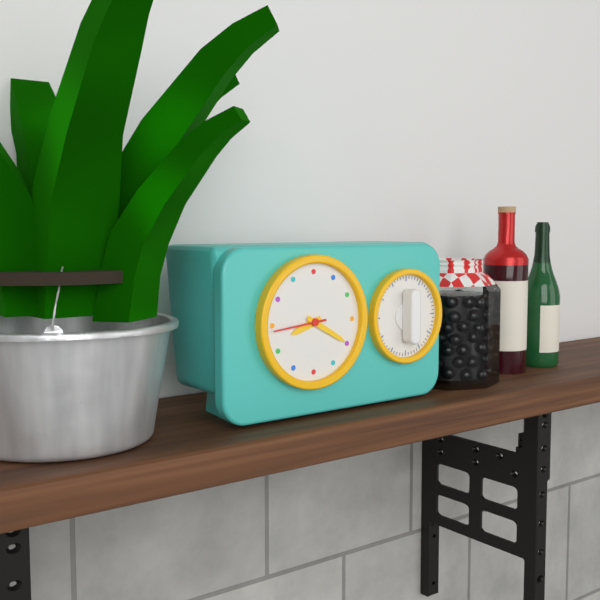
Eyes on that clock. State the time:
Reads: 8:20:44
